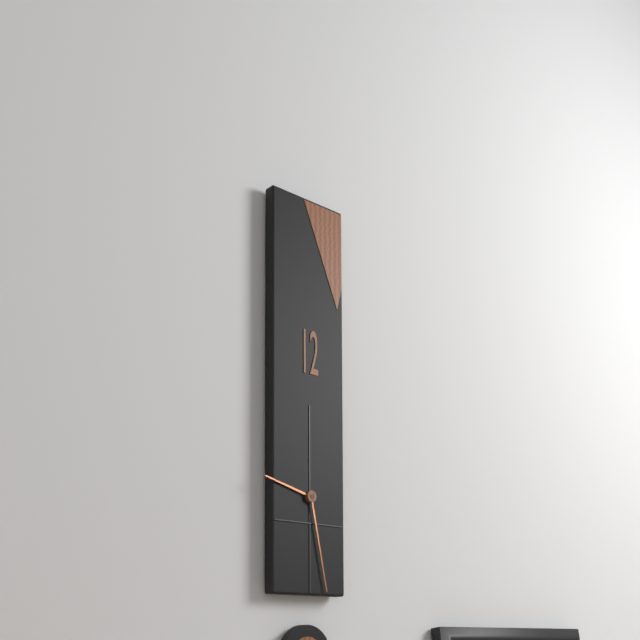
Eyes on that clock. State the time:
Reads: 9:28
